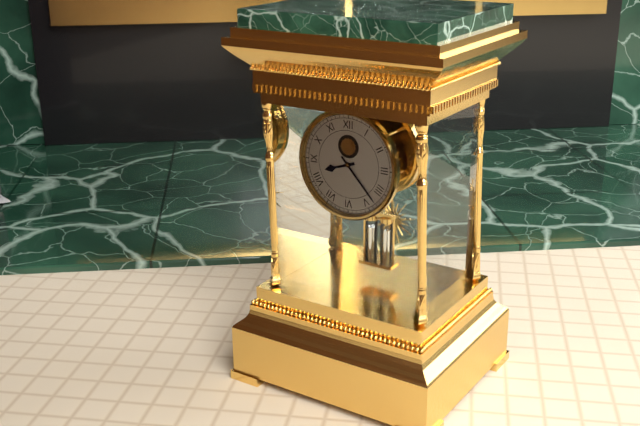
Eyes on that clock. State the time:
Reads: 8:23
